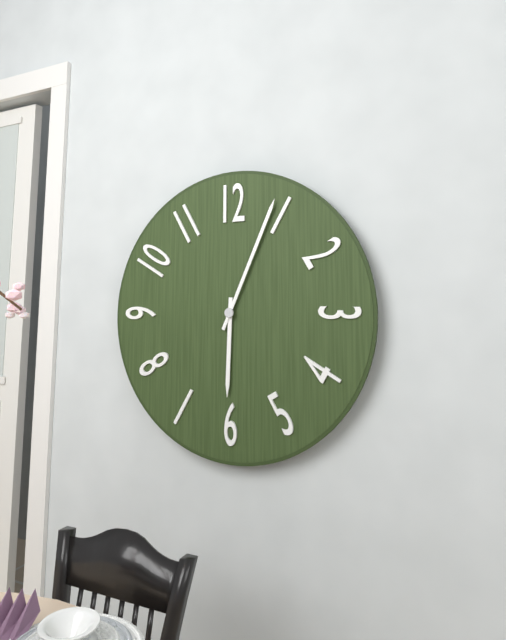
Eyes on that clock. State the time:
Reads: 6:04
